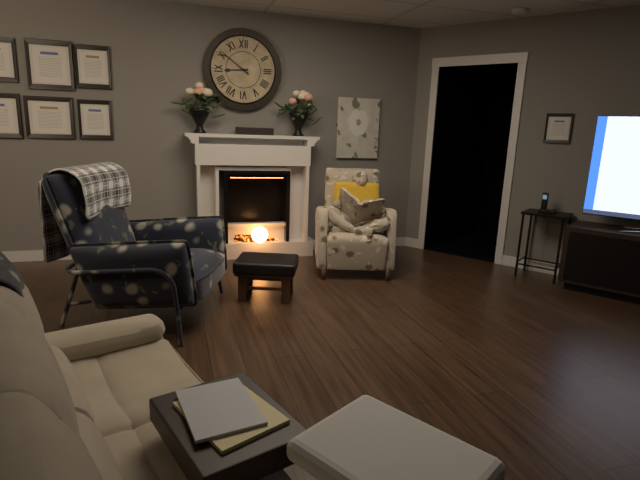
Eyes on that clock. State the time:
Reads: 8:51
